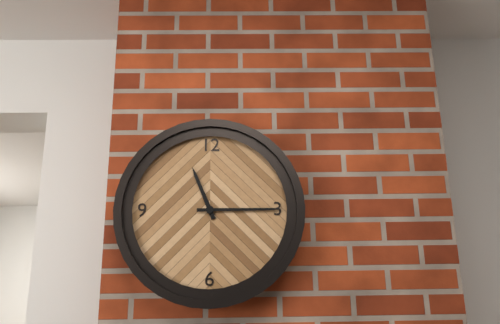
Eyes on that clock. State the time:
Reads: 11:15
